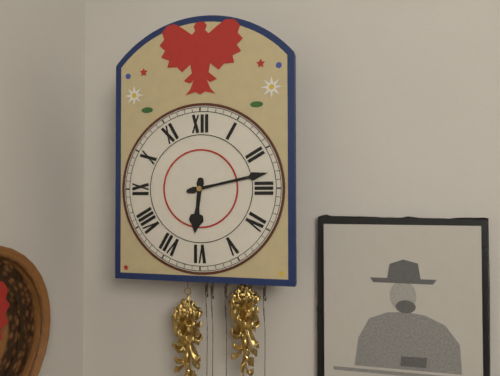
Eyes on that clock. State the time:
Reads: 6:13
